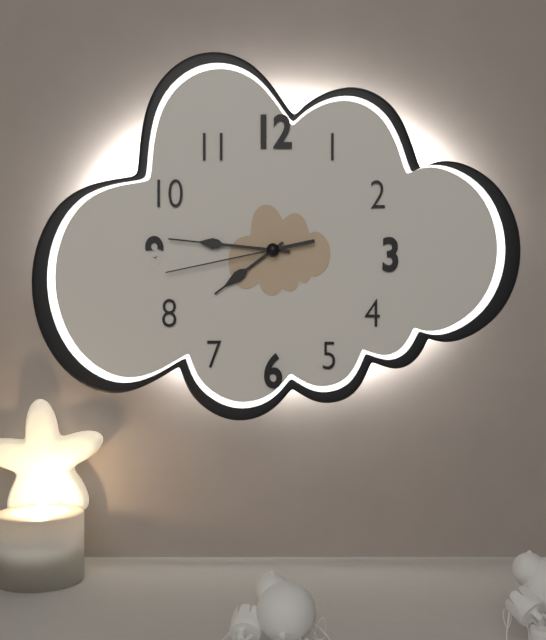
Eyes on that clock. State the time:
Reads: 7:46:43
